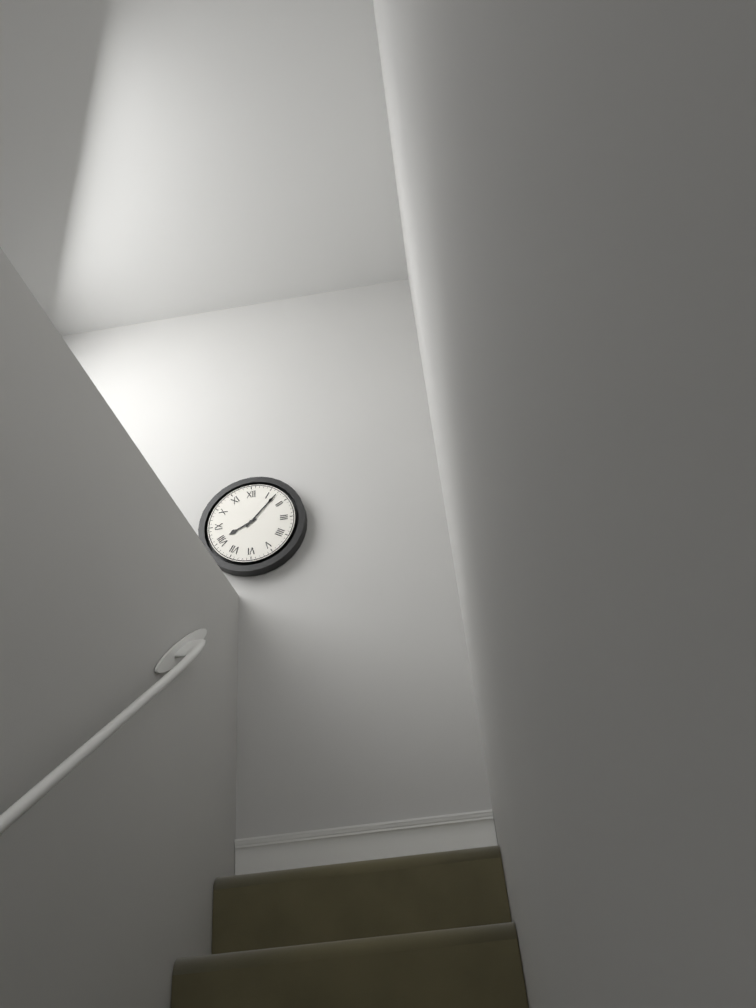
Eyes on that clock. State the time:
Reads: 8:07
